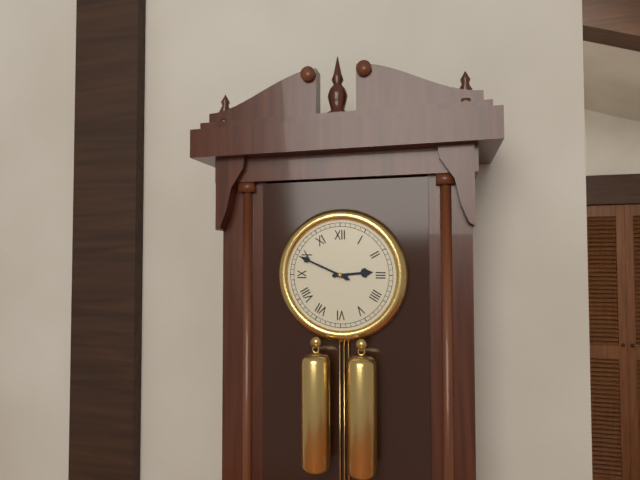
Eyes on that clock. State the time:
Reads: 2:49
